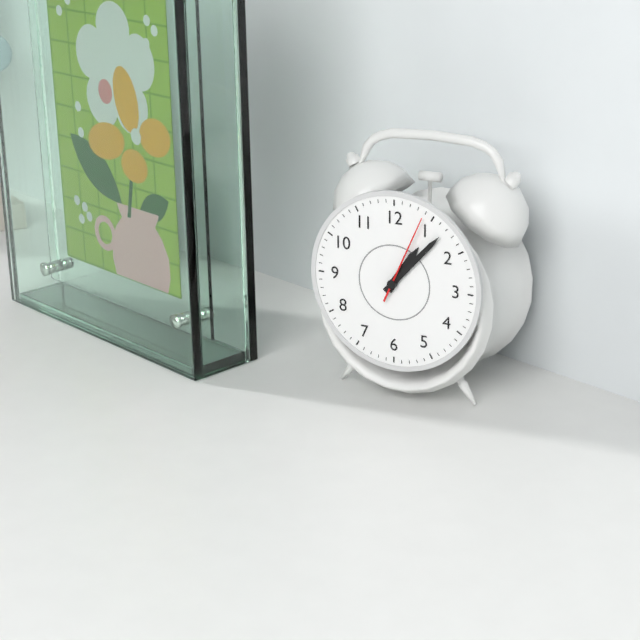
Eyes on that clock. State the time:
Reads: 1:07:04
